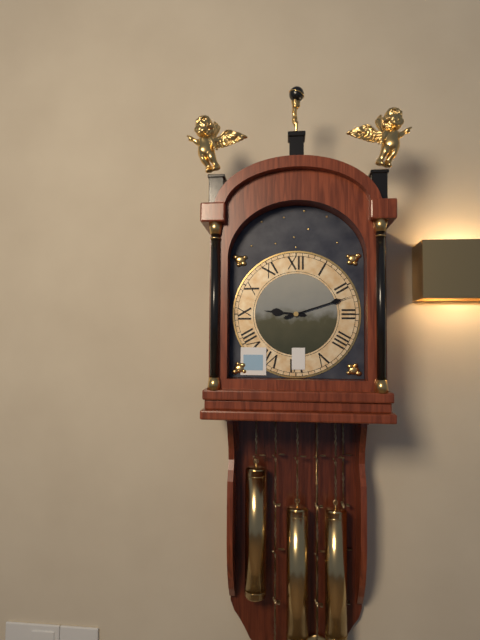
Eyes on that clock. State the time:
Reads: 9:12
